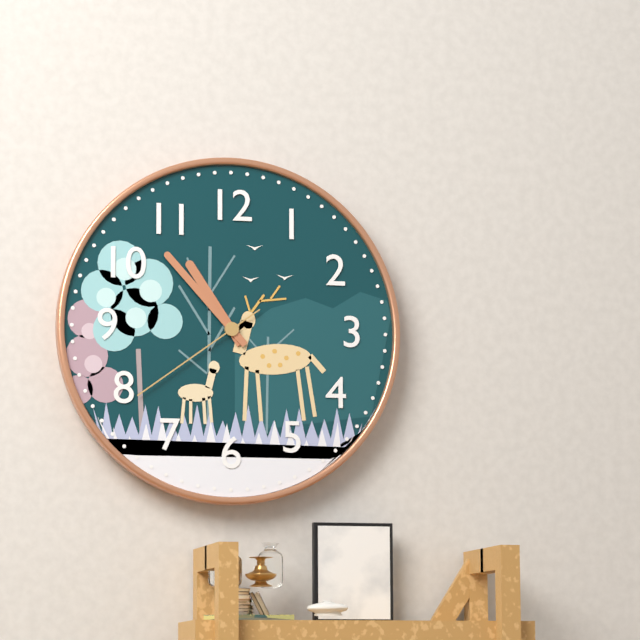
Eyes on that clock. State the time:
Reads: 10:53:39
